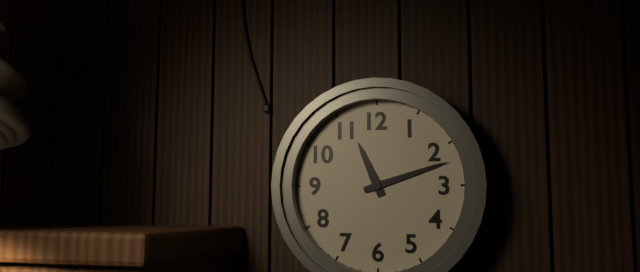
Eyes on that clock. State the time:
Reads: 11:12
